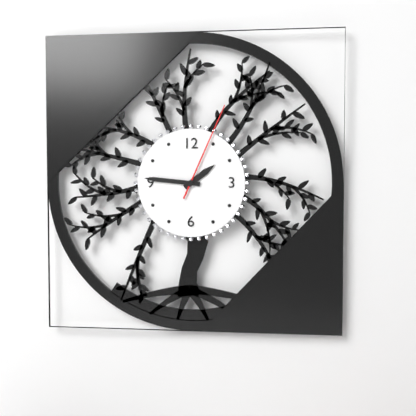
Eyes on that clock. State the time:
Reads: 1:46:04
